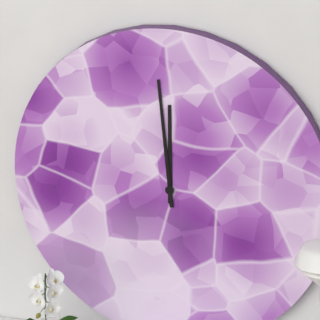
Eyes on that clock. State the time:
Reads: 11:59
